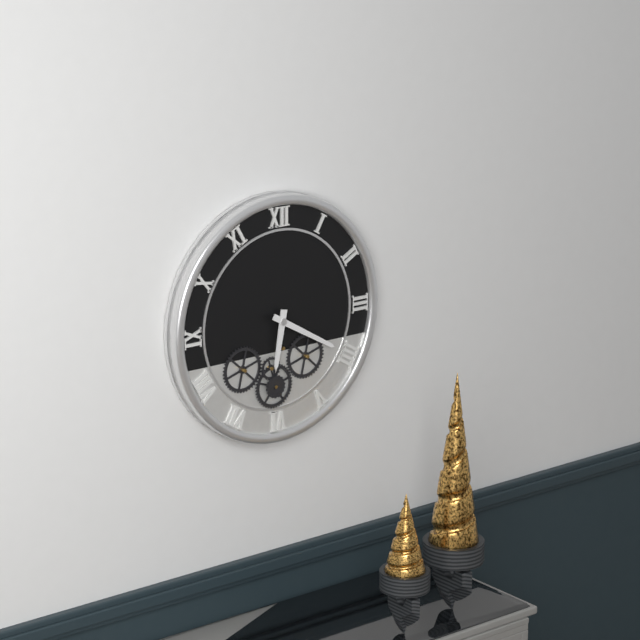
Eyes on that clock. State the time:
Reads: 6:20
